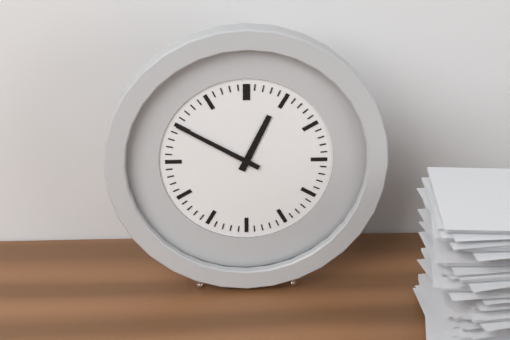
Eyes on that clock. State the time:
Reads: 12:50
